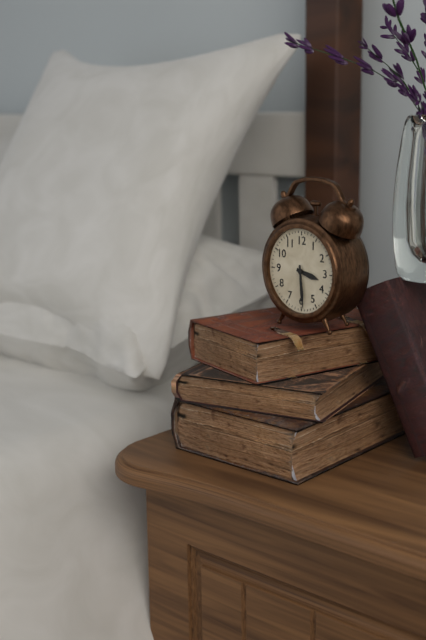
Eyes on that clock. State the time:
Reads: 3:29
